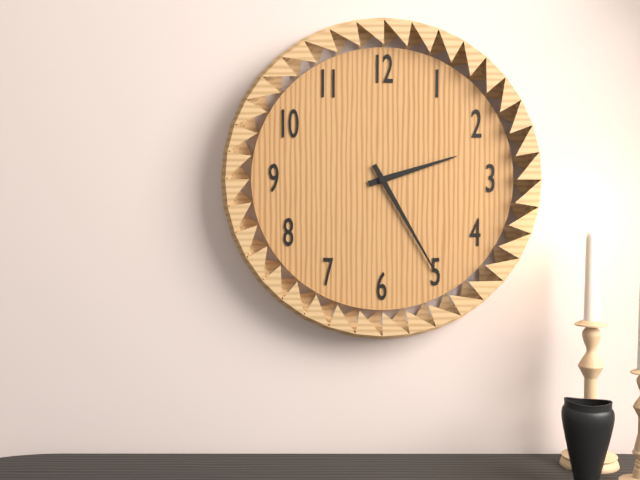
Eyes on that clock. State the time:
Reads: 2:25
